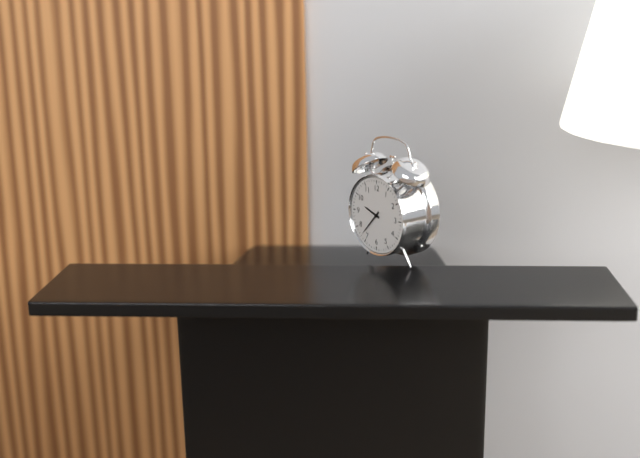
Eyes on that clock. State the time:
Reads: 9:37
